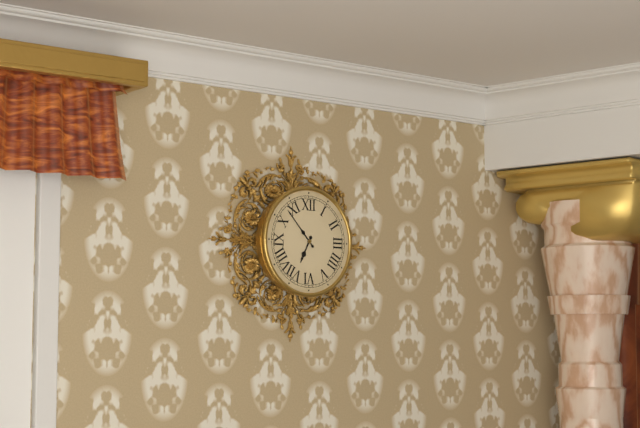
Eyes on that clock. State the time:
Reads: 6:53
